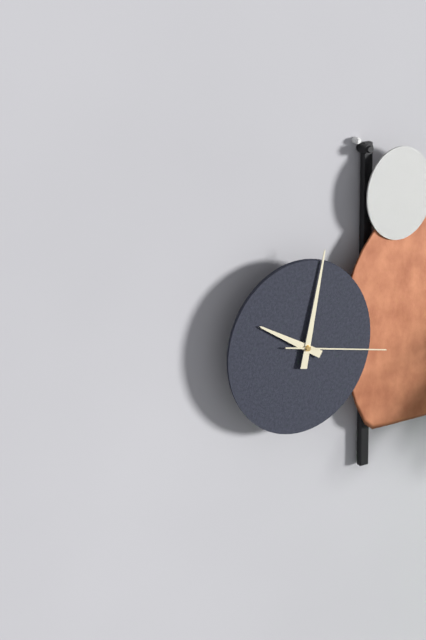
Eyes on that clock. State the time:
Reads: 10:02:17
